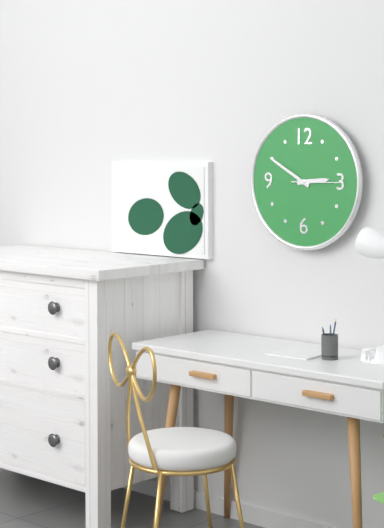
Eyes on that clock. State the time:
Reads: 2:50:15
